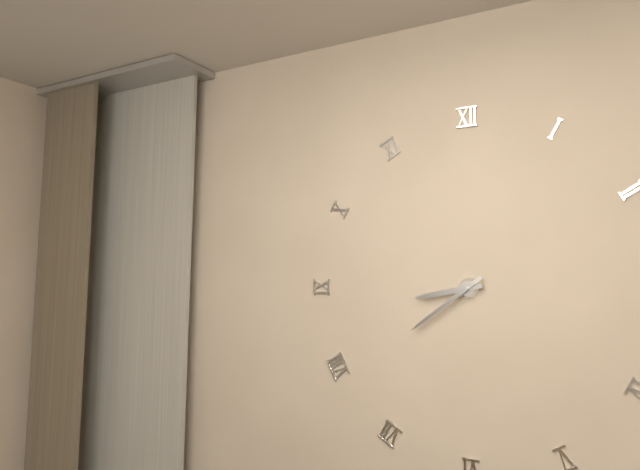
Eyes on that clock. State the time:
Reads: 8:39
